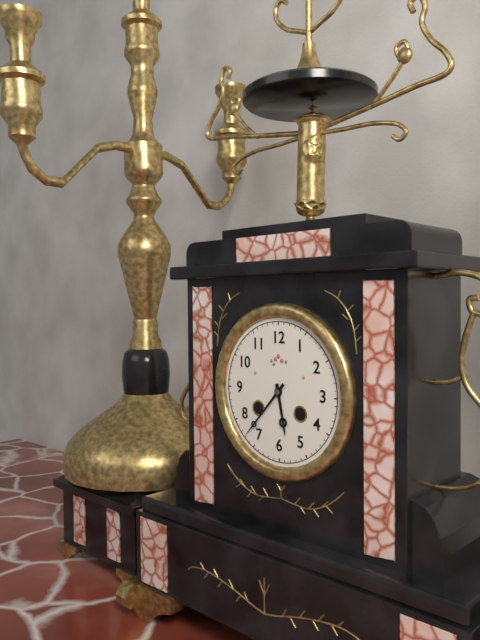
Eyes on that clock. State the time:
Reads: 5:37
